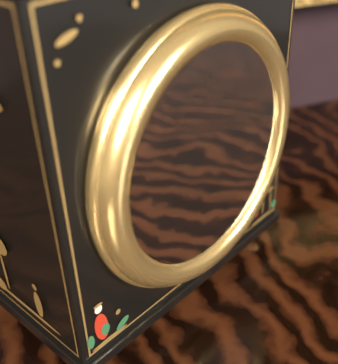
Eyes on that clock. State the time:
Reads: 8:03
